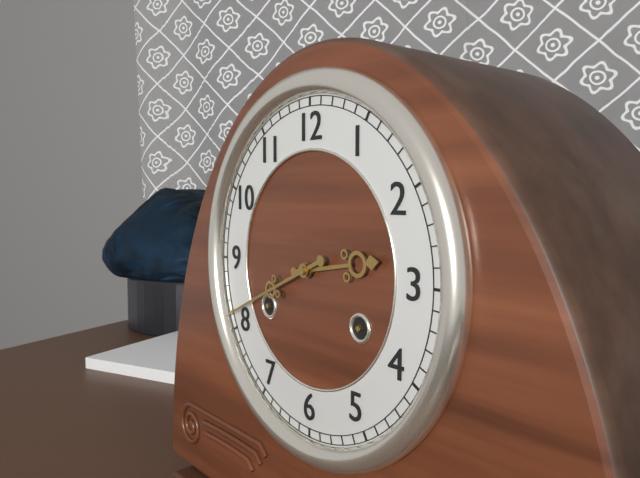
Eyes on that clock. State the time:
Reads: 2:41
